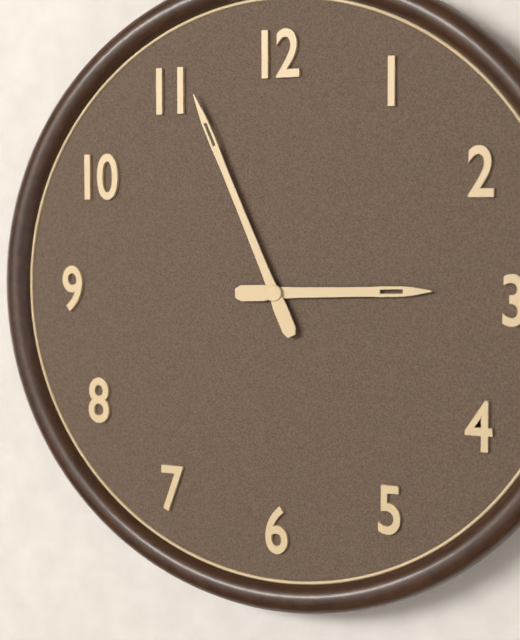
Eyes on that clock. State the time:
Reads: 2:56
